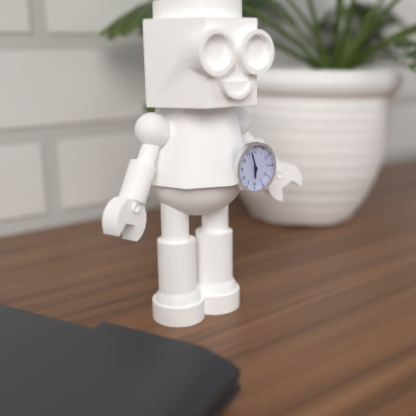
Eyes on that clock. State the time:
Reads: 5:57
